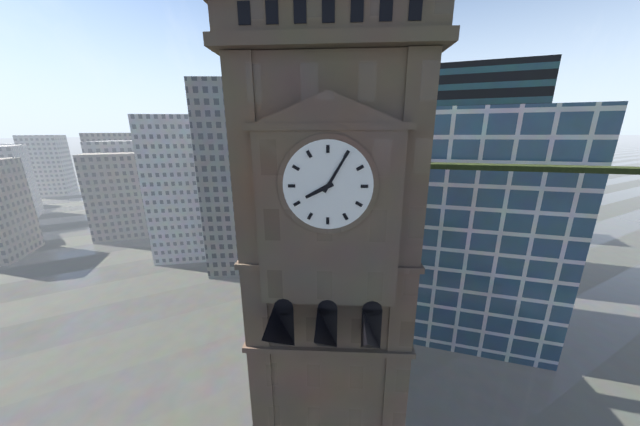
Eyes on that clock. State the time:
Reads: 8:05
